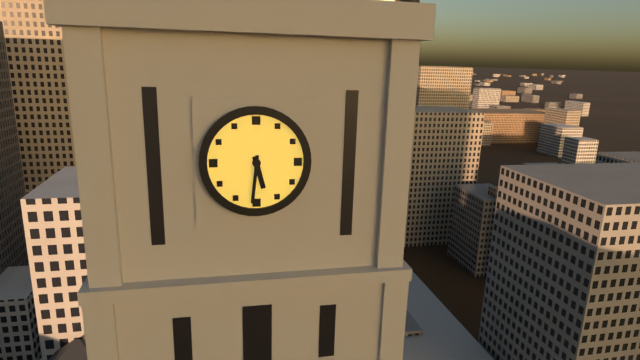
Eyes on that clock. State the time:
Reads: 5:31
